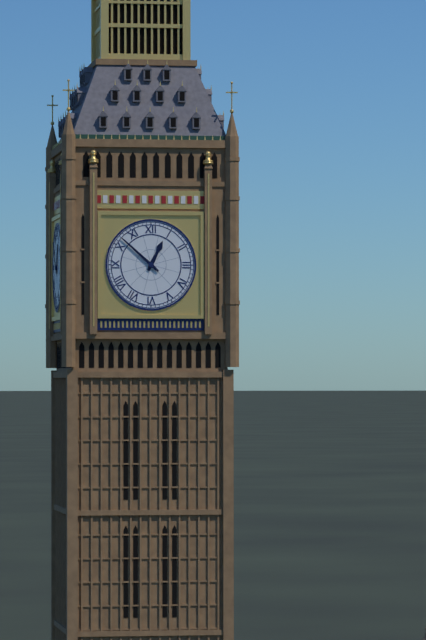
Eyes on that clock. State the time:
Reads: 12:52
